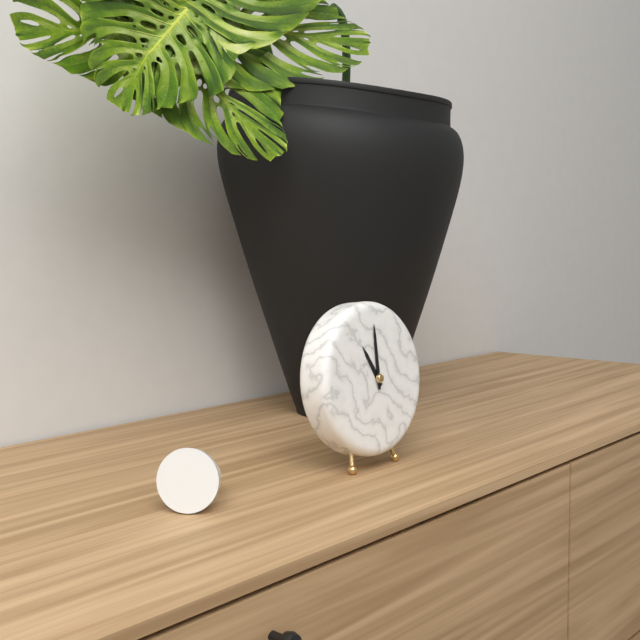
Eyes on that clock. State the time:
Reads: 11:00
